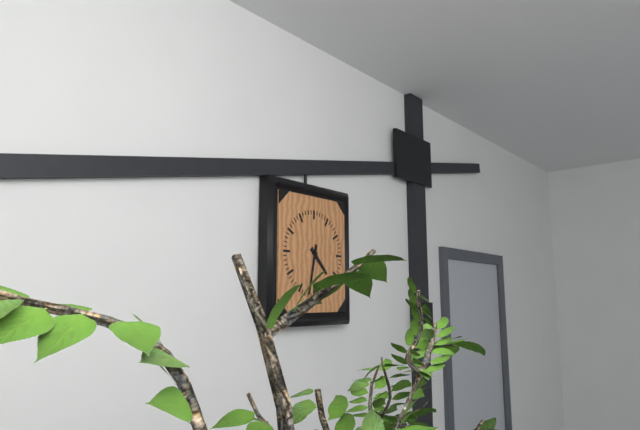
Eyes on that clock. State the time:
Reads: 4:32
